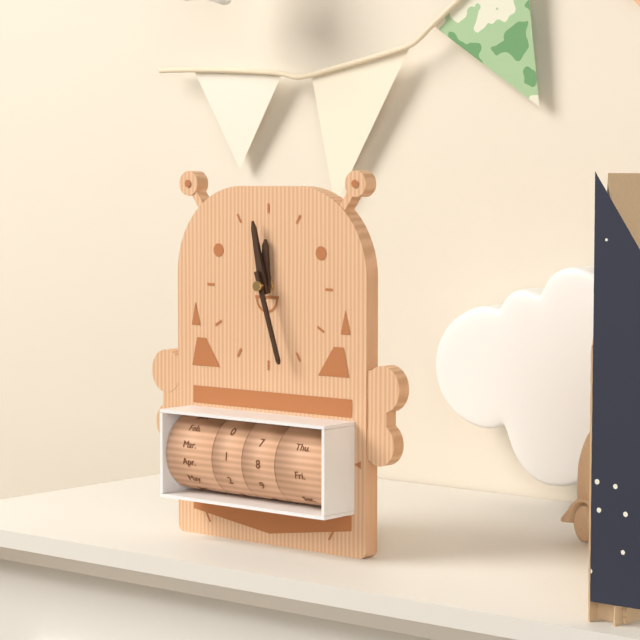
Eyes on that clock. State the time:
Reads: 11:58:27
